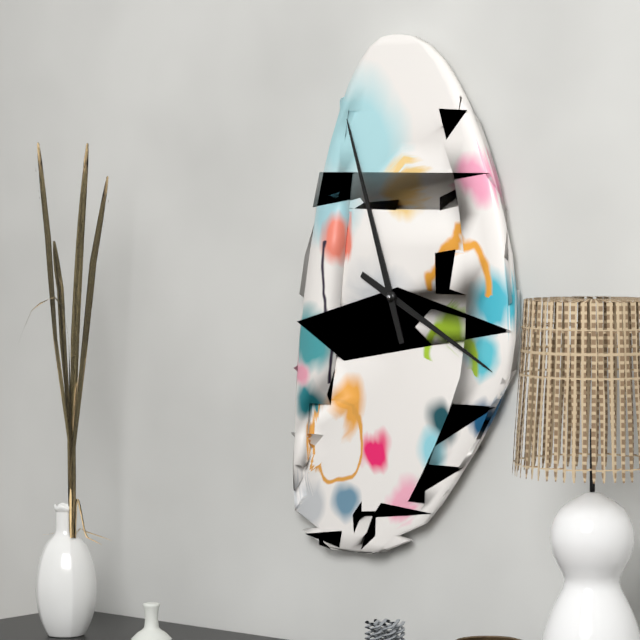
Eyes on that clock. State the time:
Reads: 3:57
